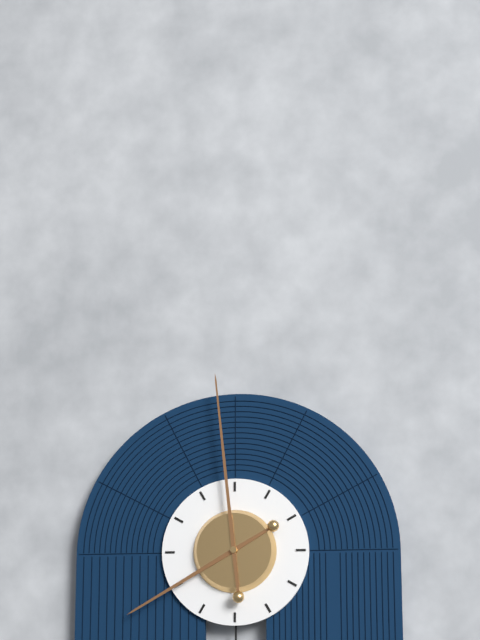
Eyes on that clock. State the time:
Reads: 7:59
